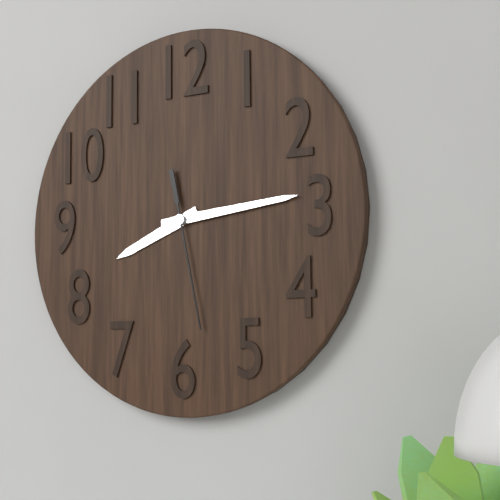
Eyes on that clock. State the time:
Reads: 8:14:28
